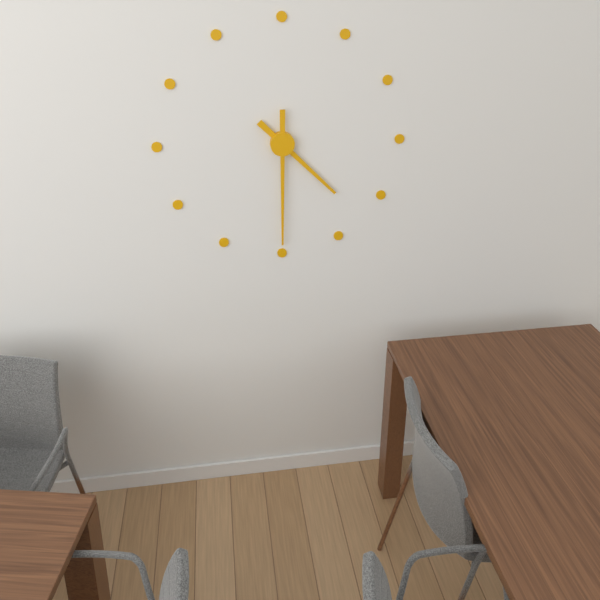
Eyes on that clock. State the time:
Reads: 4:30
